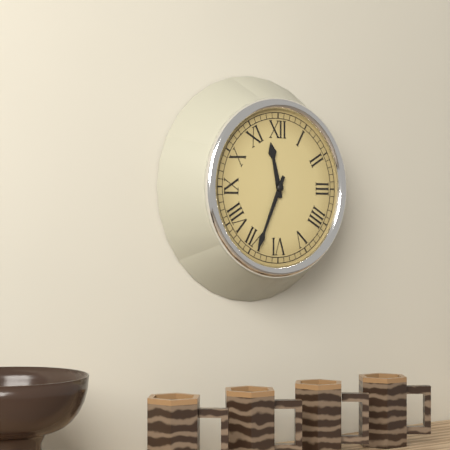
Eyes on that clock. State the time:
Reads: 11:34
